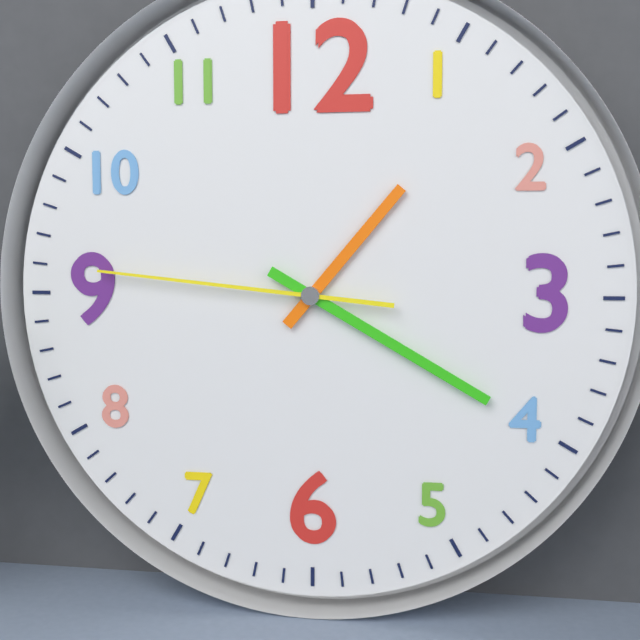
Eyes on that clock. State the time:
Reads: 1:20:46
